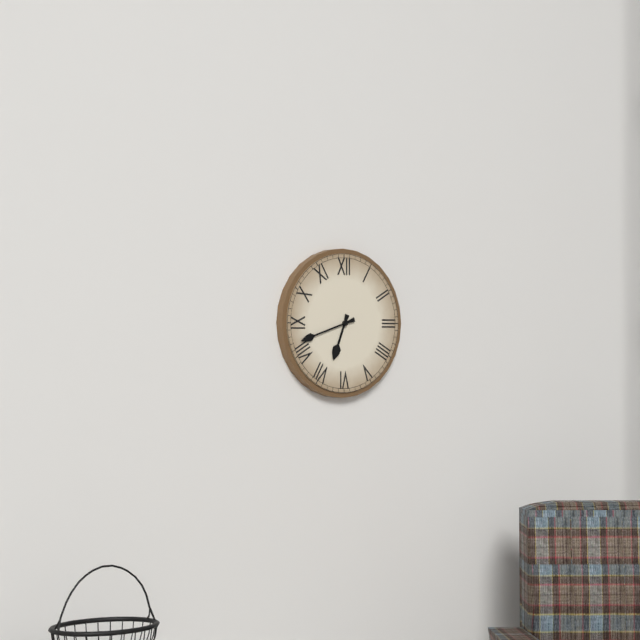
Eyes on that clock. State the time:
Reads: 6:42
